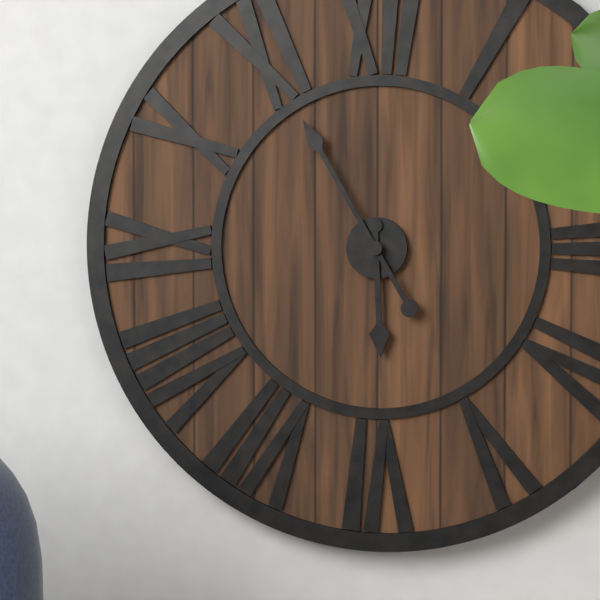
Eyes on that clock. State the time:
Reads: 5:55
